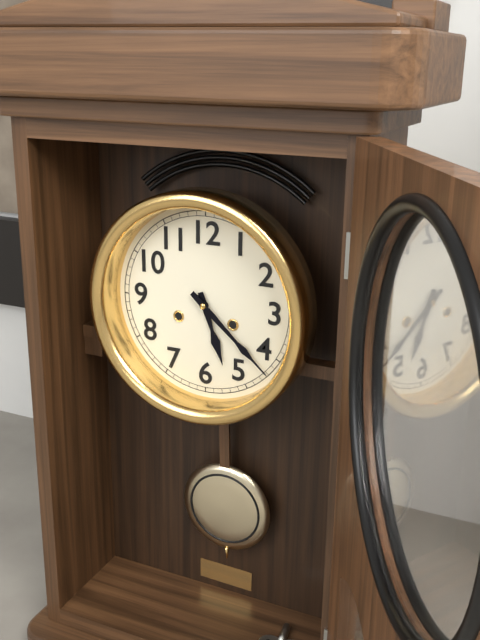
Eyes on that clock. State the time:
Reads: 5:22
